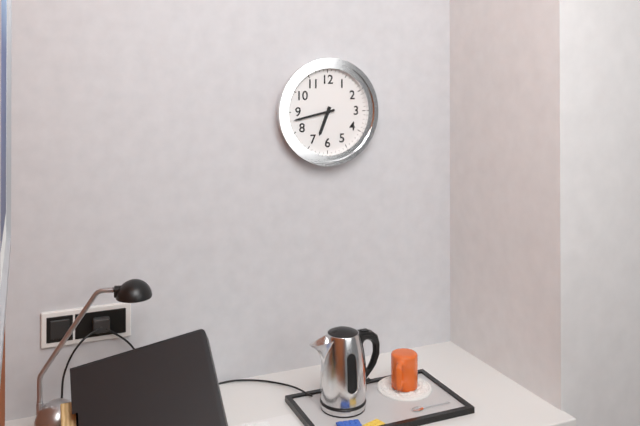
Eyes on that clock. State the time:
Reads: 6:43
